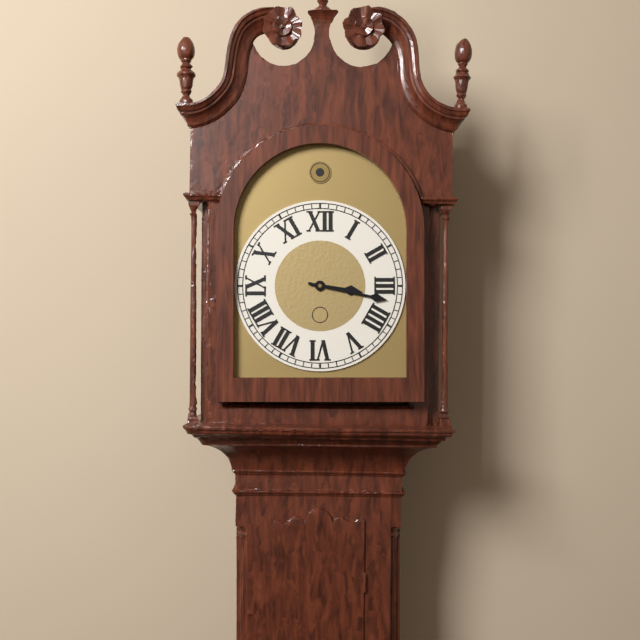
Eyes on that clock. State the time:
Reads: 3:17
